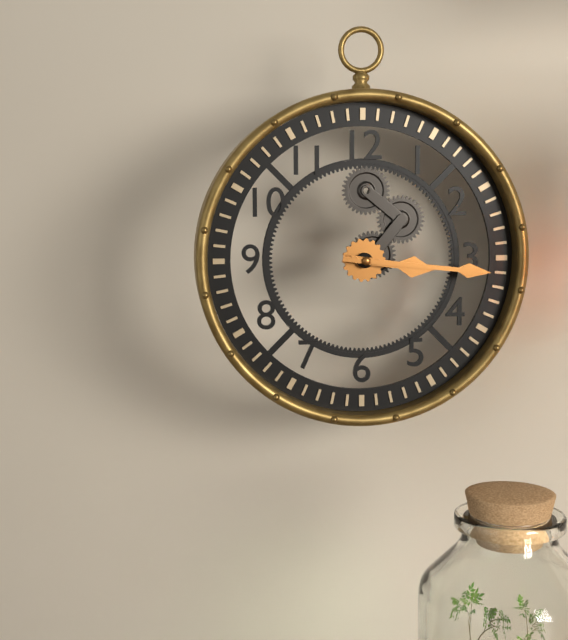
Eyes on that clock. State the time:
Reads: 3:16
